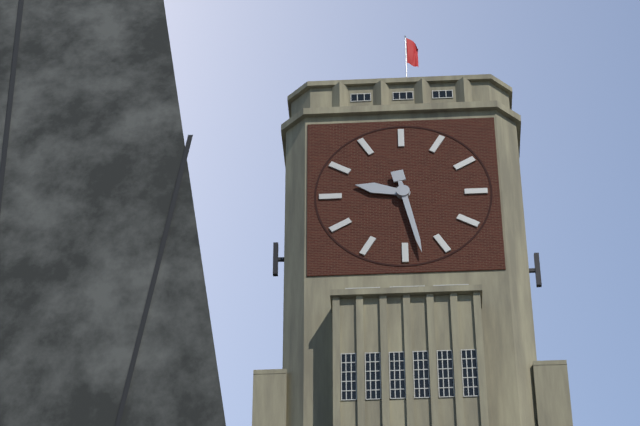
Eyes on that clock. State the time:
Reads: 9:28
